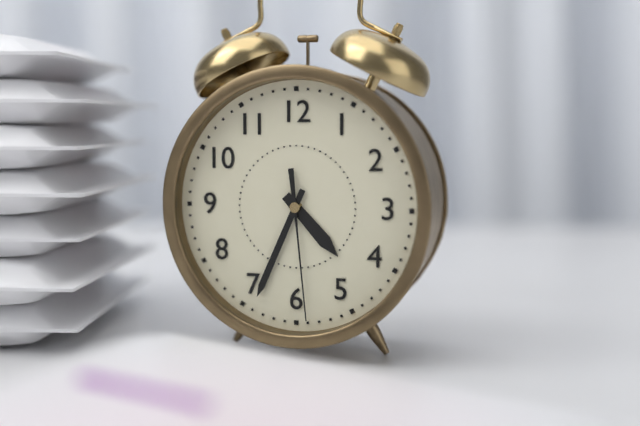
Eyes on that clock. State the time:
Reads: 4:34:29
